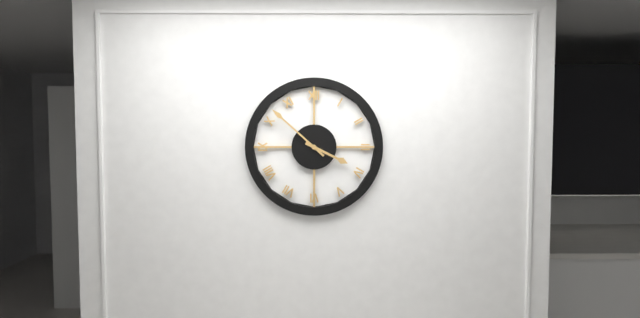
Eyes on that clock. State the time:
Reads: 3:52
